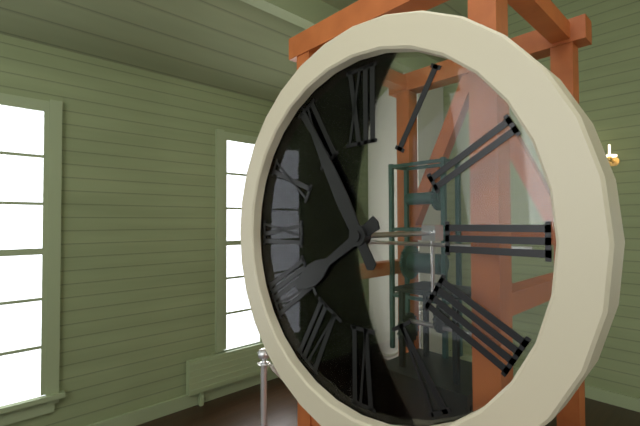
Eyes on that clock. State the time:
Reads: 7:55
